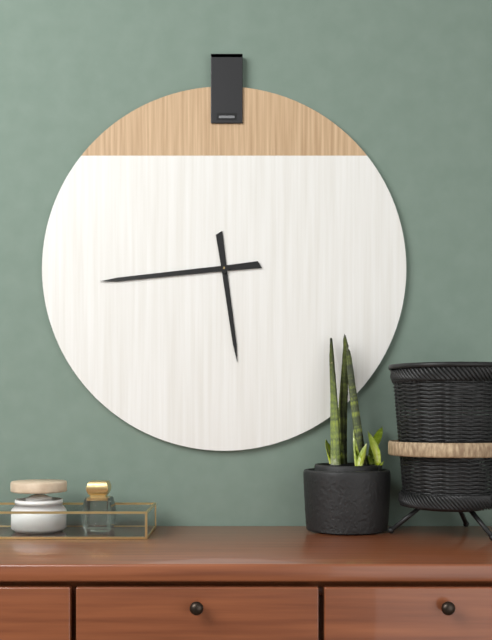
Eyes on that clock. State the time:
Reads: 5:44
